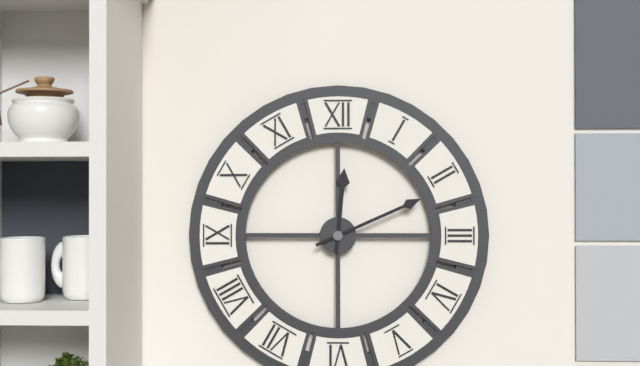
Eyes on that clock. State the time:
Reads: 12:11
